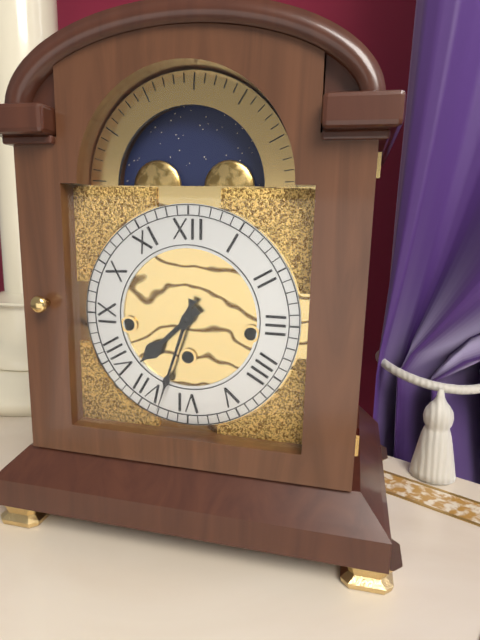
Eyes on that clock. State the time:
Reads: 7:33
